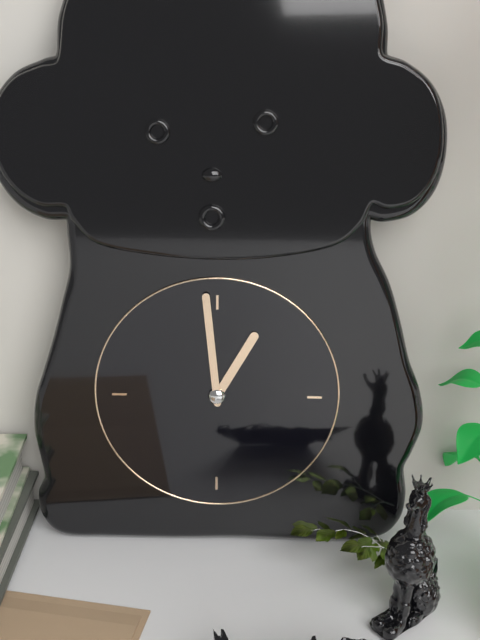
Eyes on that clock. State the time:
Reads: 12:59
